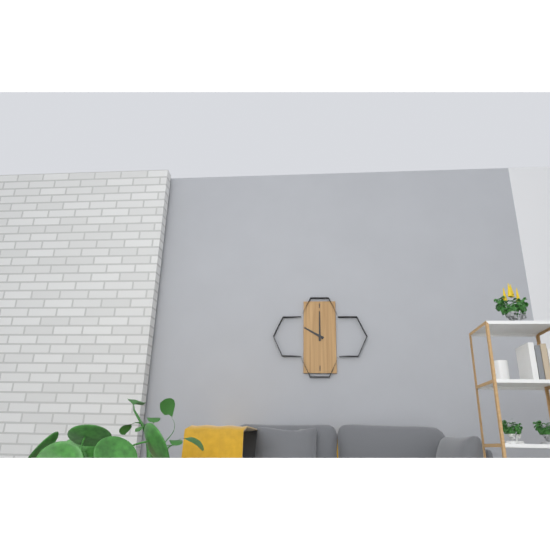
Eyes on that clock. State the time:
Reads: 10:00
